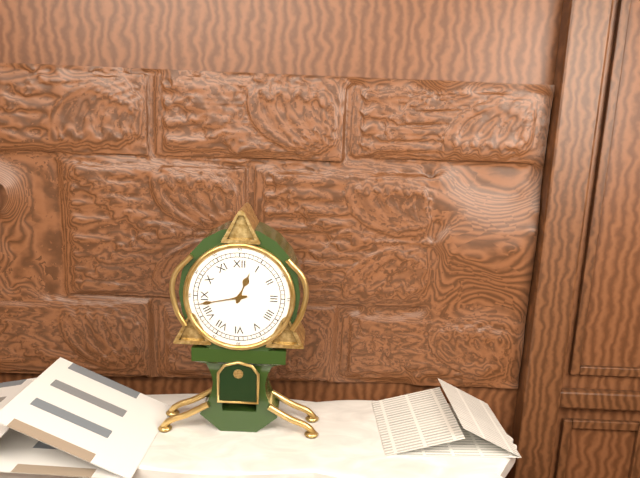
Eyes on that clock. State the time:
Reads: 12:43
